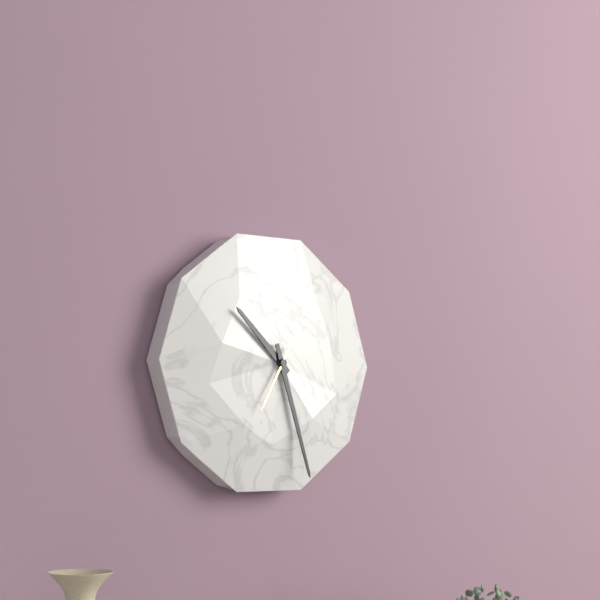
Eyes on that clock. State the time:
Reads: 10:27:35
